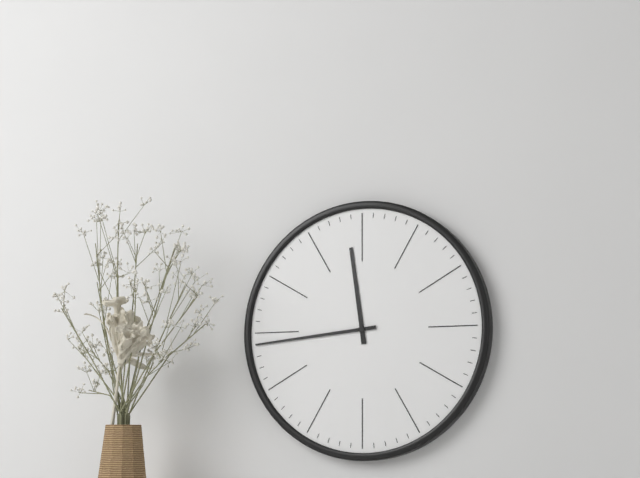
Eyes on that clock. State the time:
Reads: 11:44
